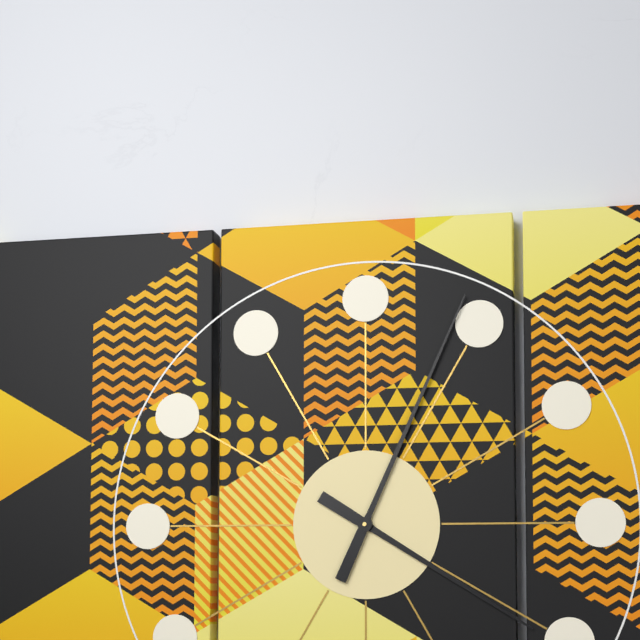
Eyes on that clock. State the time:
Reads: 4:04
